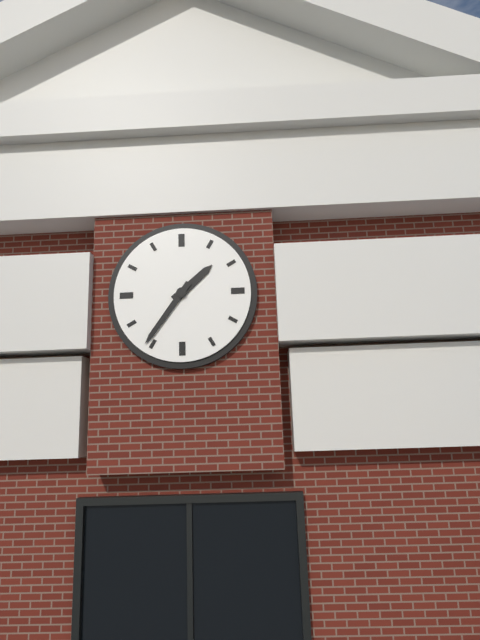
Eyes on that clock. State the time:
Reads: 1:36
